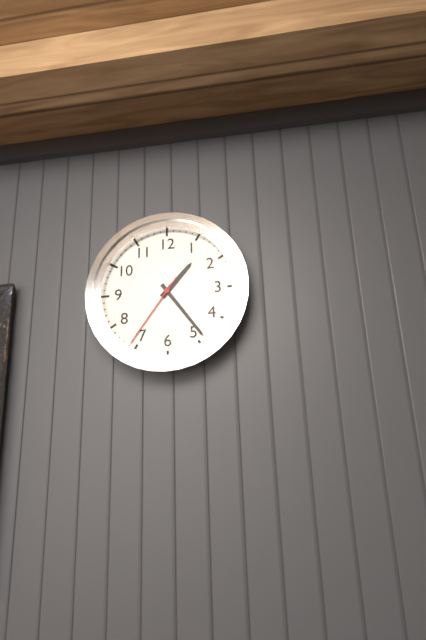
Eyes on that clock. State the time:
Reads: 1:24:36
